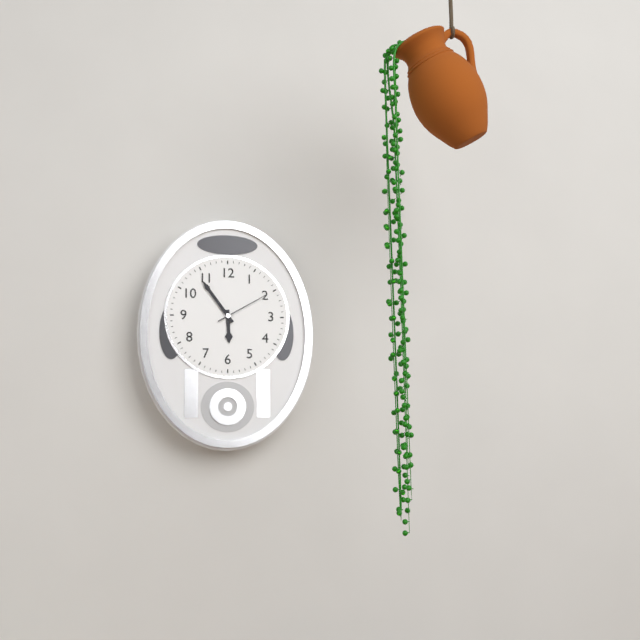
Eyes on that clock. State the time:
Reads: 5:54:10
